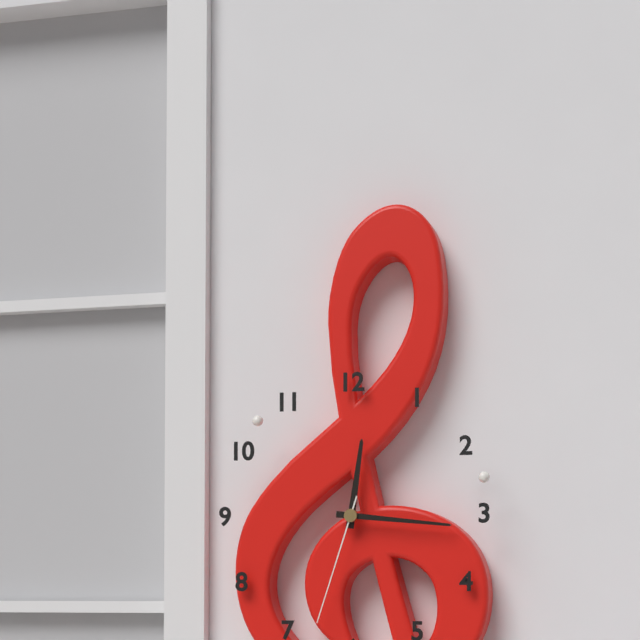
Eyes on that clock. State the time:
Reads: 12:16:33
